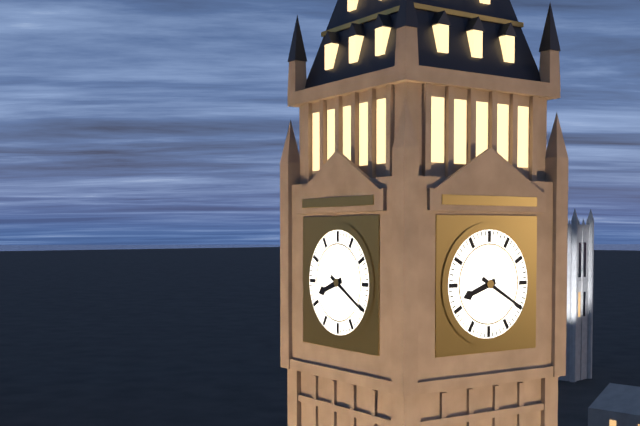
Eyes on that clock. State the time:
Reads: 8:20
